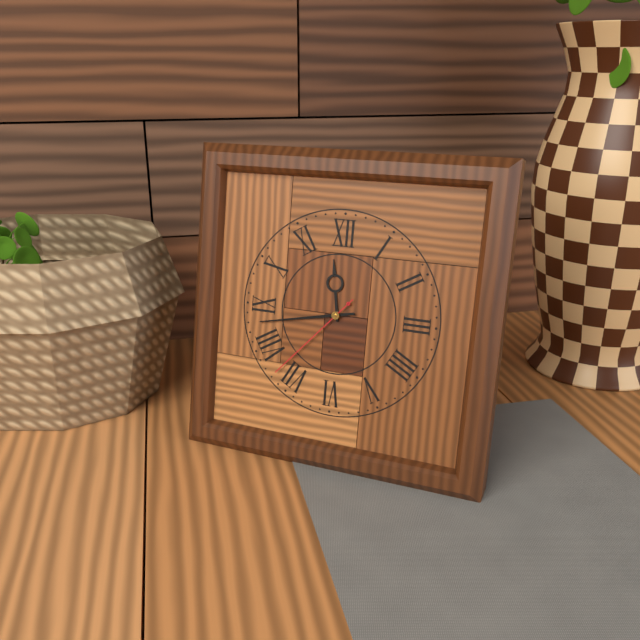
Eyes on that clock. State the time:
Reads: 11:43:37
